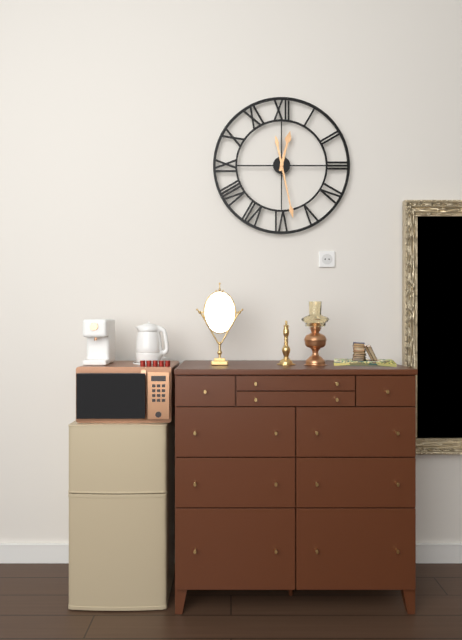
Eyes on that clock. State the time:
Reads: 12:28
